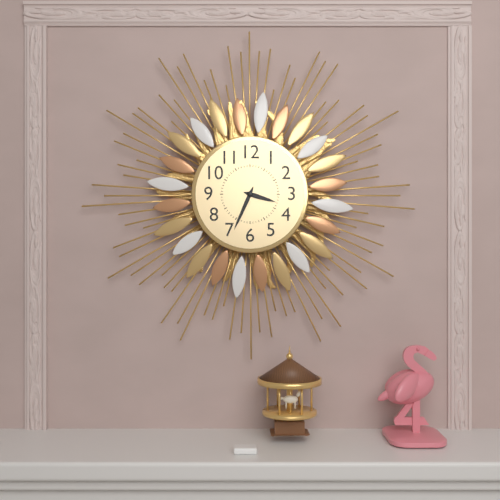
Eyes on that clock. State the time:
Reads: 3:34
